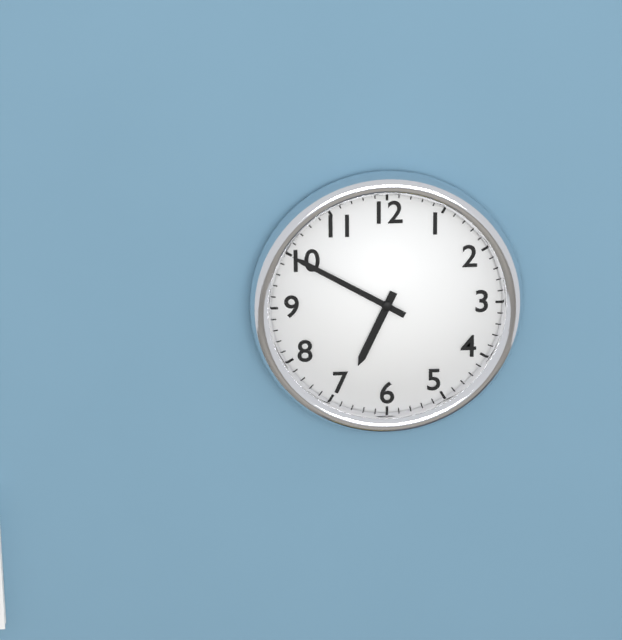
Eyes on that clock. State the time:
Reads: 6:50
